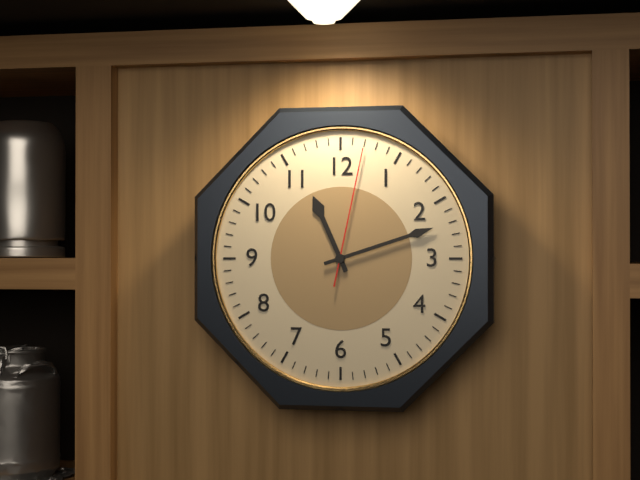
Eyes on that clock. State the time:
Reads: 11:12:02
